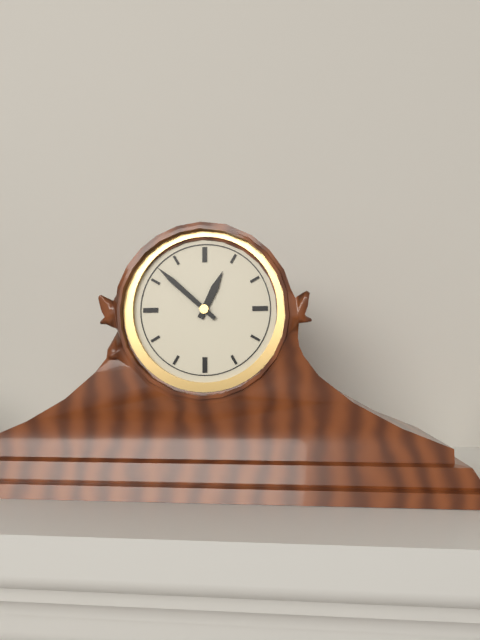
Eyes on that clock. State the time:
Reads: 12:52
